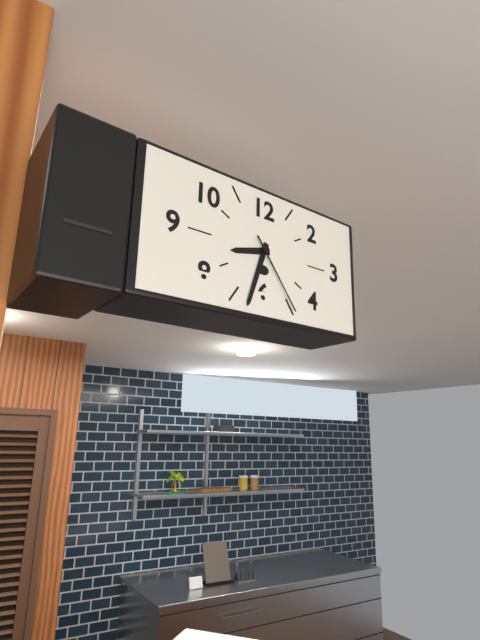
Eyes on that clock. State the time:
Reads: 8:33:24
